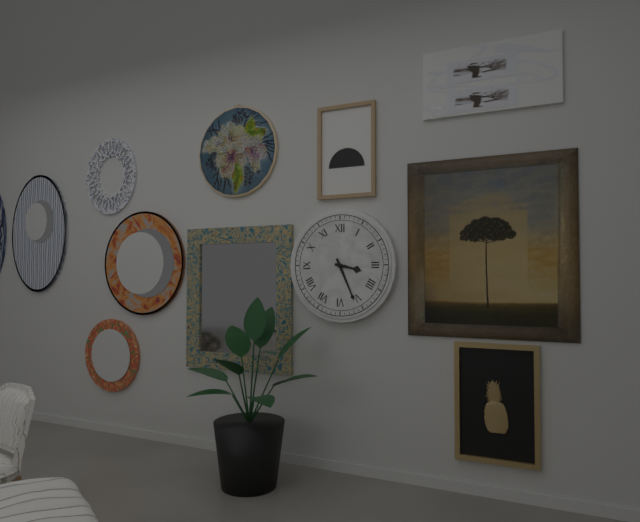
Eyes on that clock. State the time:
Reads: 3:26
